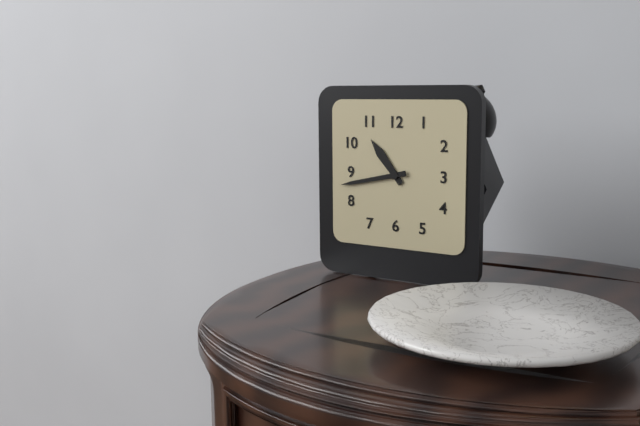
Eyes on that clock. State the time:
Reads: 10:43
